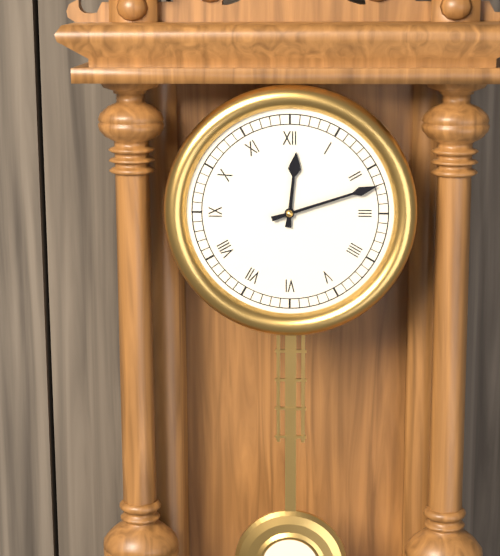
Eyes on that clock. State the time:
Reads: 12:12
